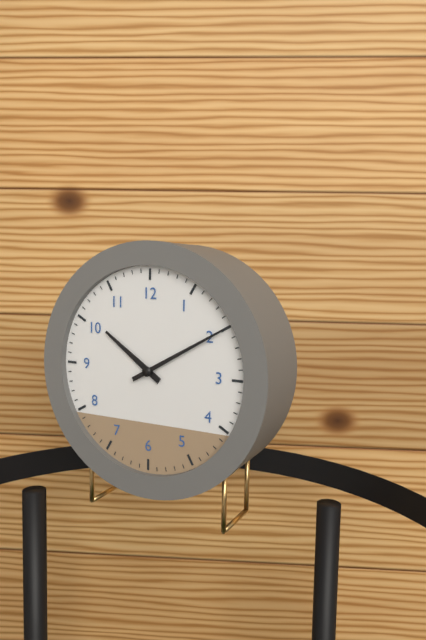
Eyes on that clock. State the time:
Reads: 10:10
